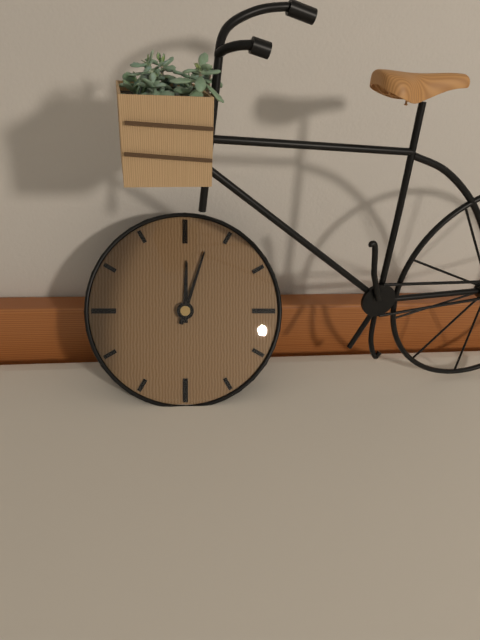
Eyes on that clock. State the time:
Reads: 12:03
